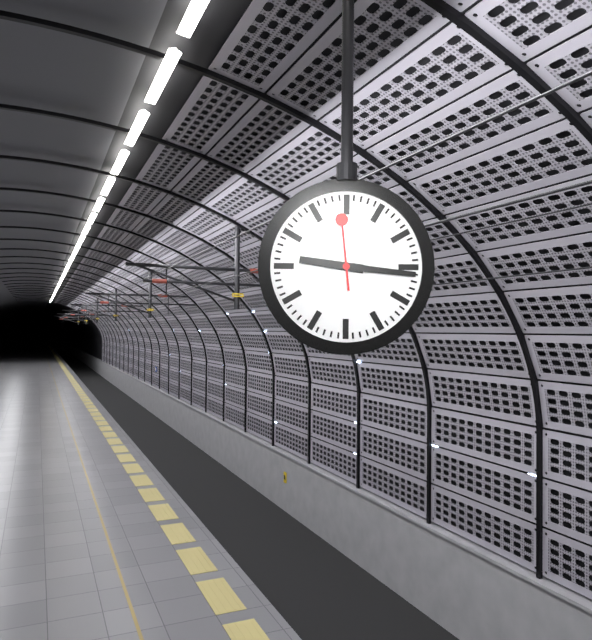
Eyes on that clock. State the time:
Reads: 9:16:59
